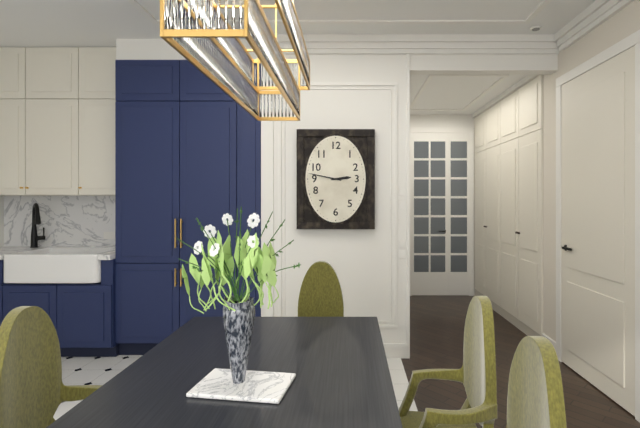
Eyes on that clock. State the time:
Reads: 2:47
